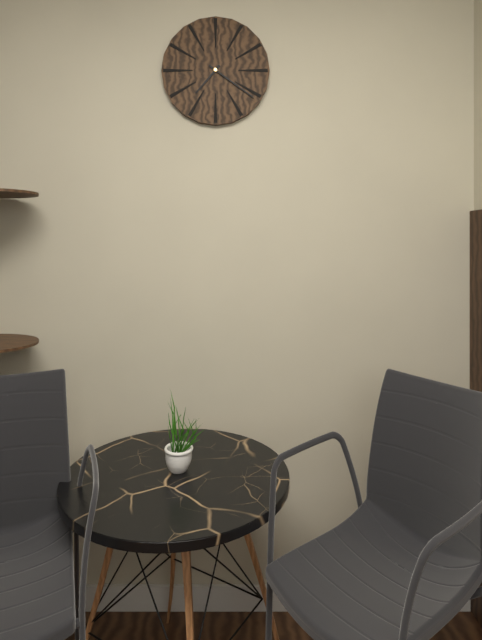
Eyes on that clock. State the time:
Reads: 7:21
